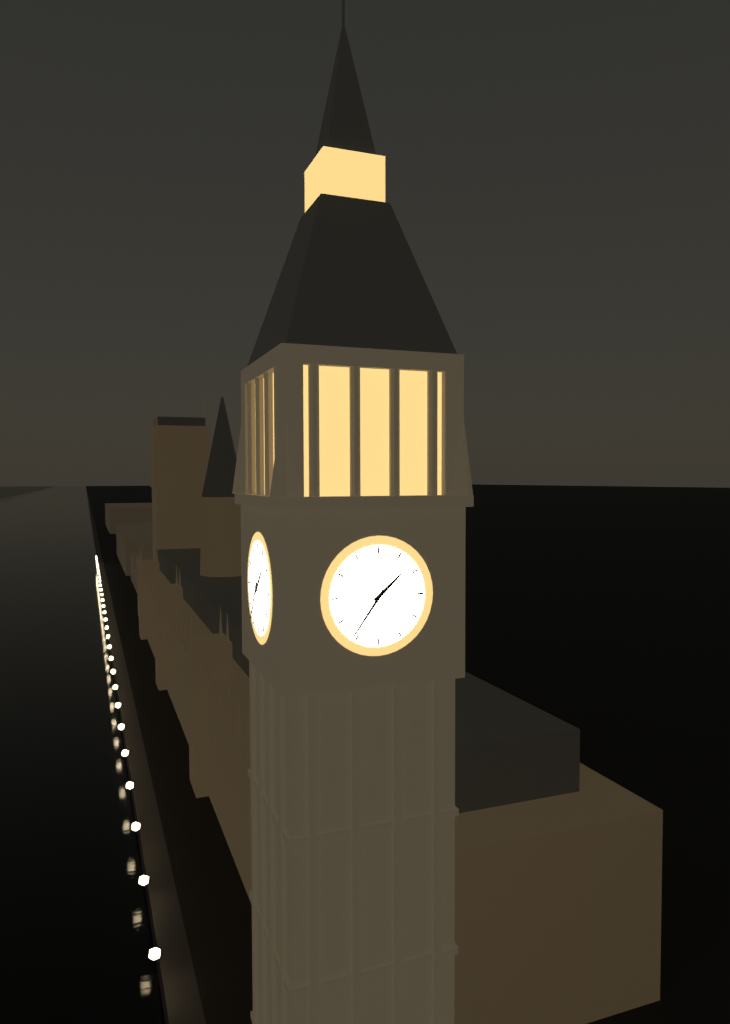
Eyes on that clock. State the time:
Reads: 1:36
